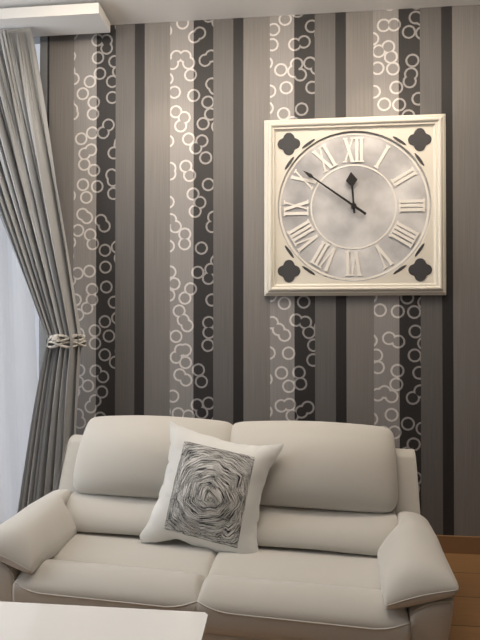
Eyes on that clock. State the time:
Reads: 11:51
